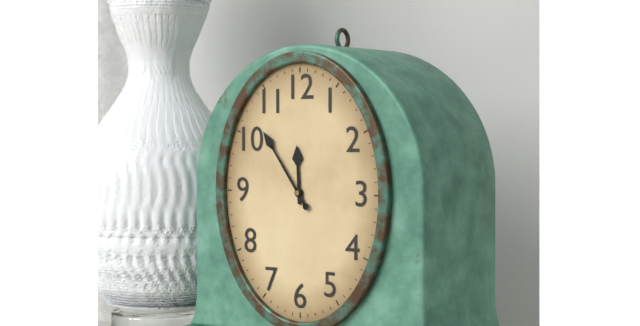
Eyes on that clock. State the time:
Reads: 11:54
